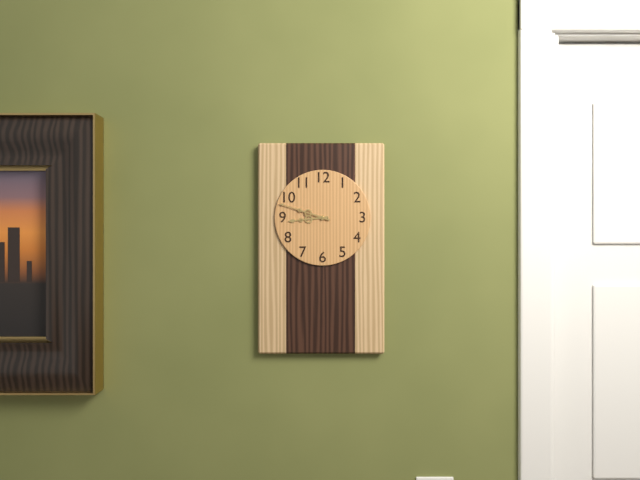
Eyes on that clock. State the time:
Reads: 8:48
